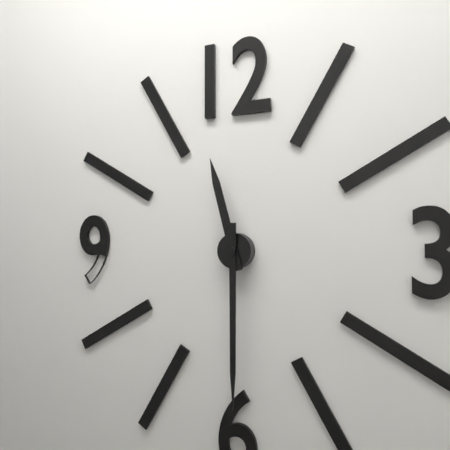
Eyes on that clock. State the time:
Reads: 11:30
